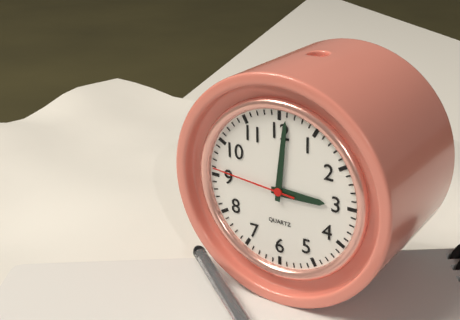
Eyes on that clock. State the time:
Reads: 3:01:46
